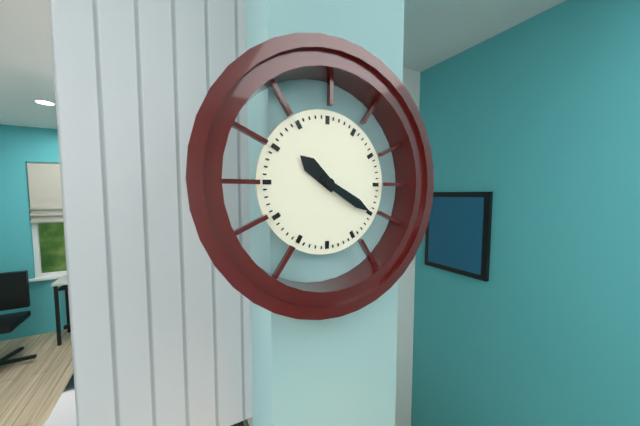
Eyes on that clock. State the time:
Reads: 10:20
